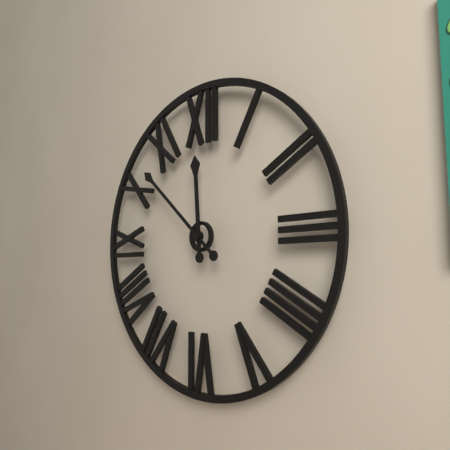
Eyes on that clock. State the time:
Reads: 11:52
